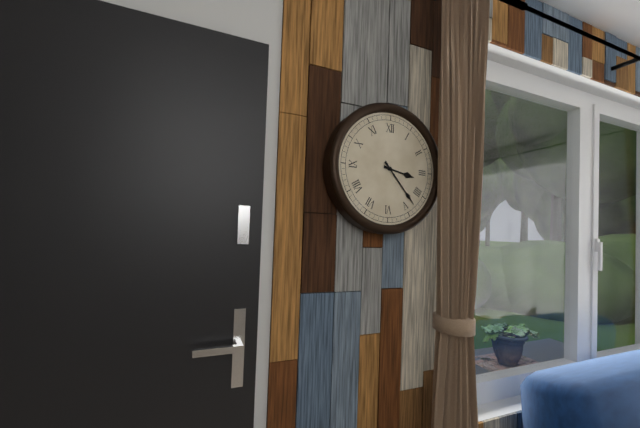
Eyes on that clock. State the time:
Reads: 3:23
